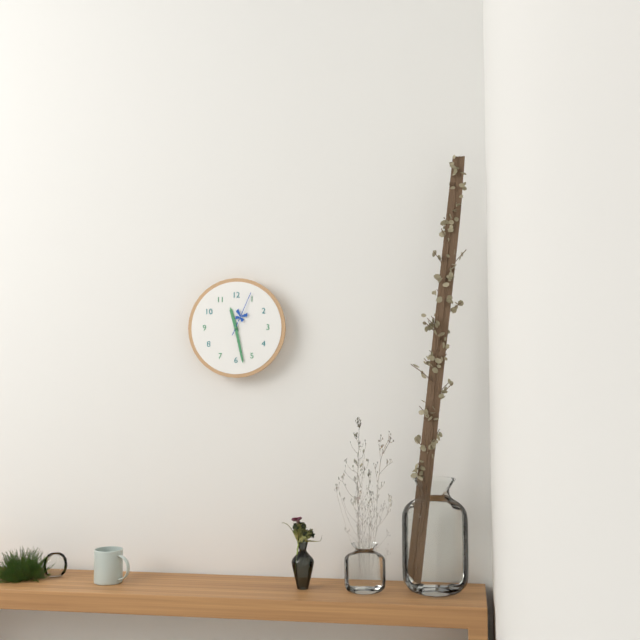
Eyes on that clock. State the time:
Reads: 11:28
